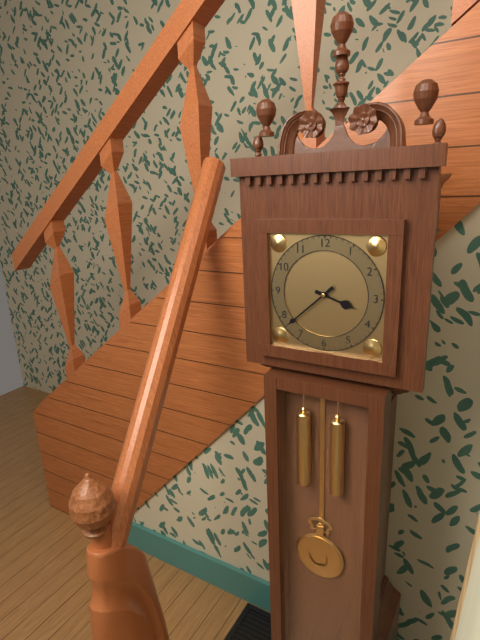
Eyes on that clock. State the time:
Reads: 3:38
